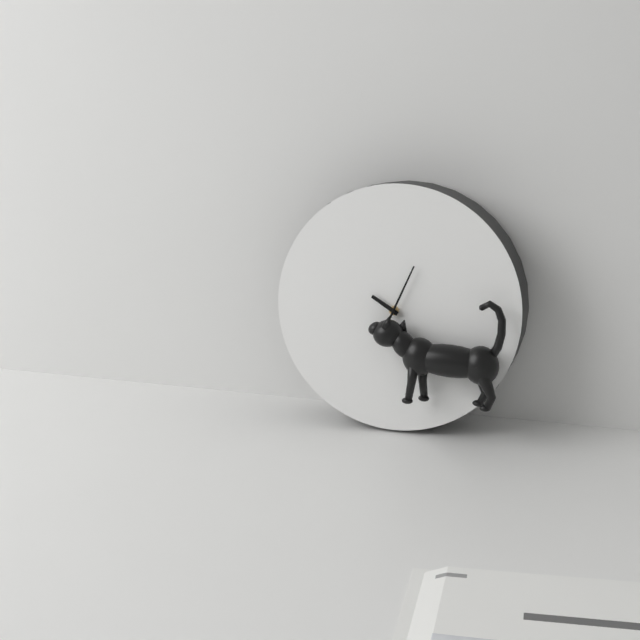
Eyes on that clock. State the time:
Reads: 10:04
